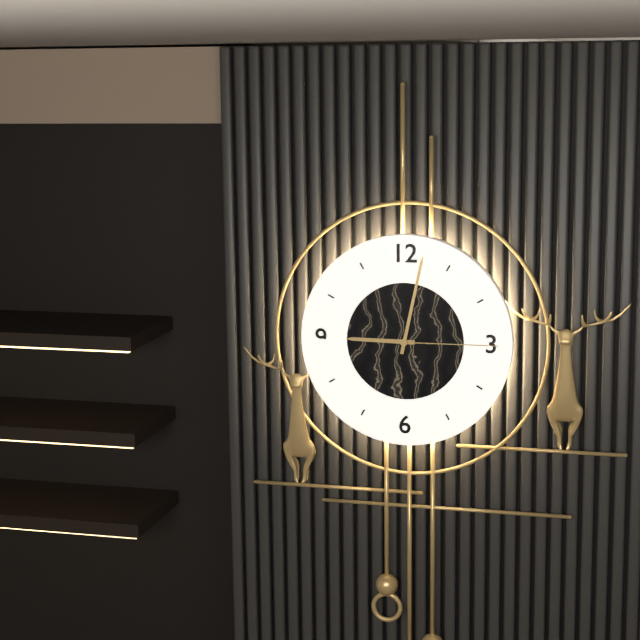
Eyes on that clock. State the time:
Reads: 9:02:15
